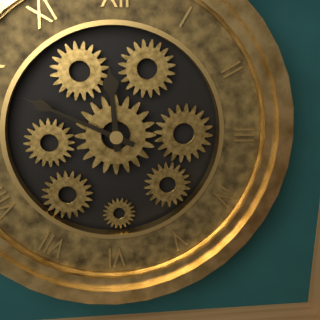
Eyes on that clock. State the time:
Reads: 11:49
